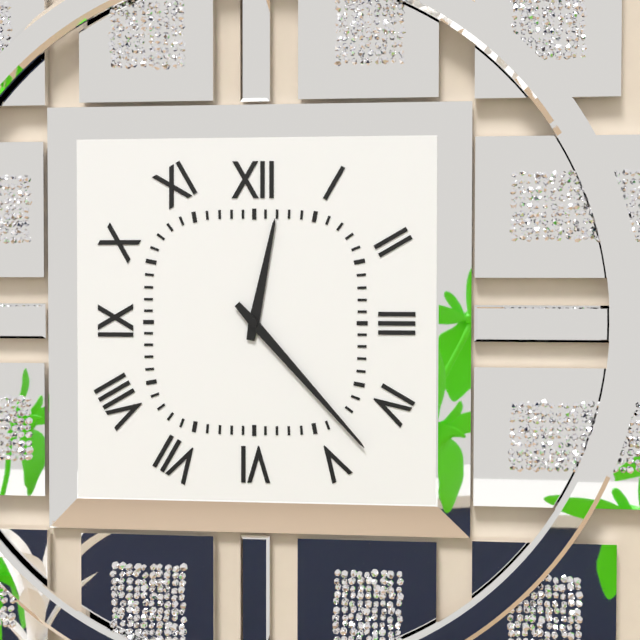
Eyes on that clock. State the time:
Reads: 12:23
